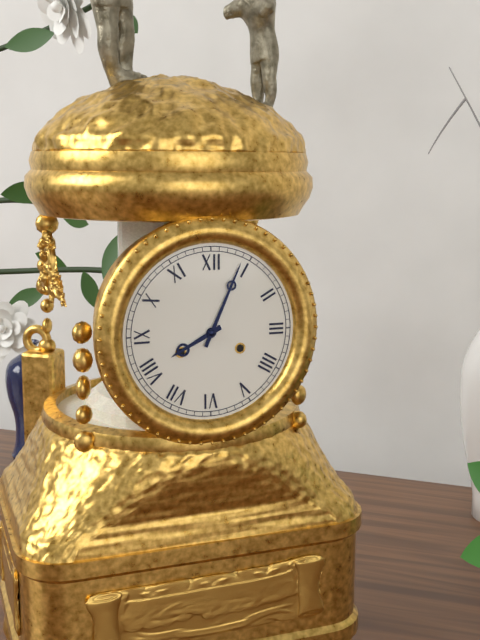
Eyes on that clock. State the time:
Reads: 8:04
